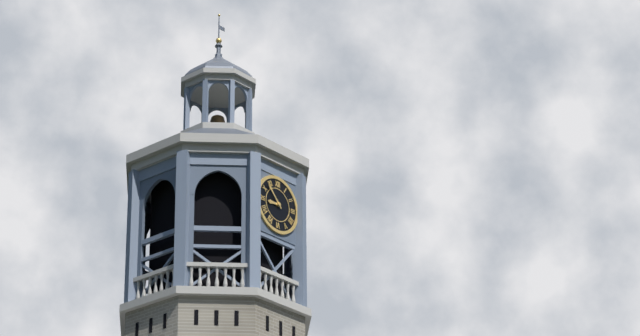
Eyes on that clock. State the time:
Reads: 8:53
